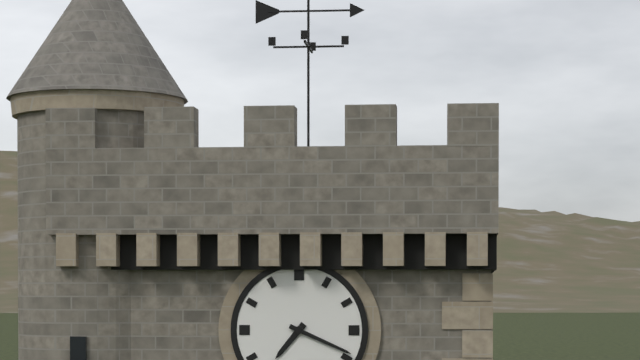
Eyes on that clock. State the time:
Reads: 7:19
